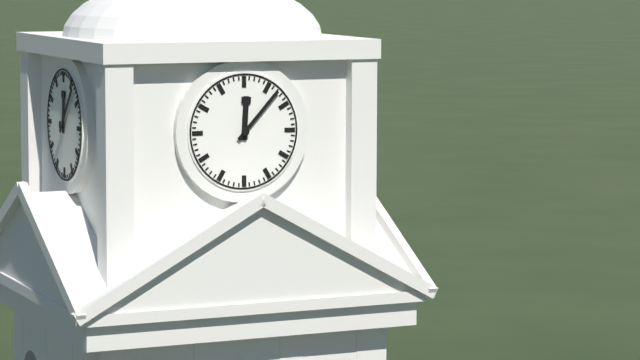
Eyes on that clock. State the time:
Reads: 12:07
